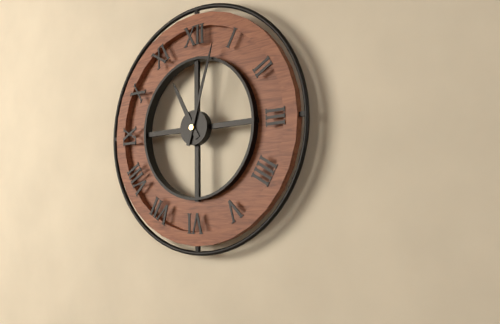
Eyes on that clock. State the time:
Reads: 11:03
